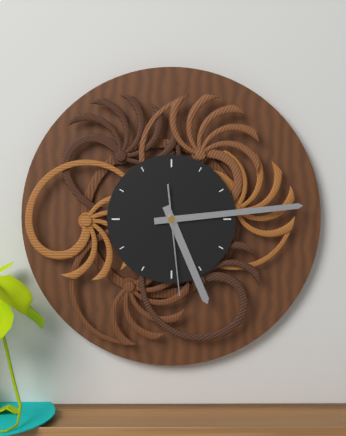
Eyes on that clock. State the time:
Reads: 5:14:29
